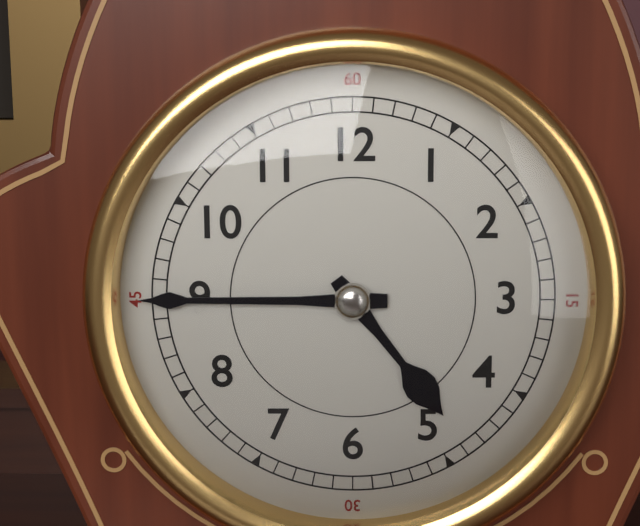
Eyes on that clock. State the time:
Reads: 4:45
